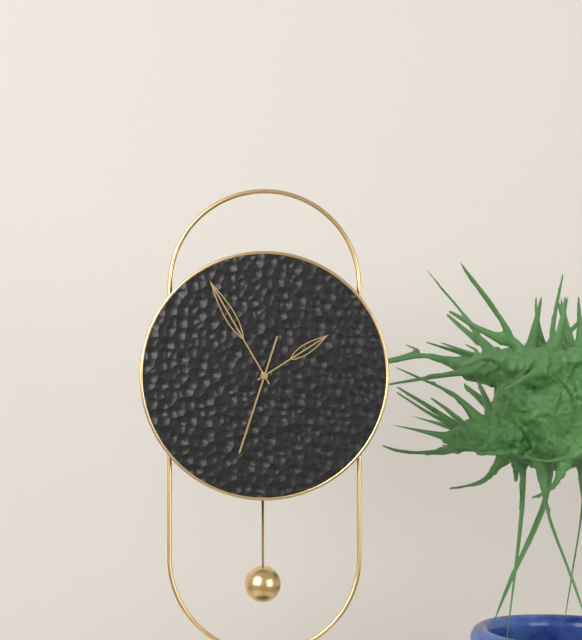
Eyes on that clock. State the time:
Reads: 1:55:33
